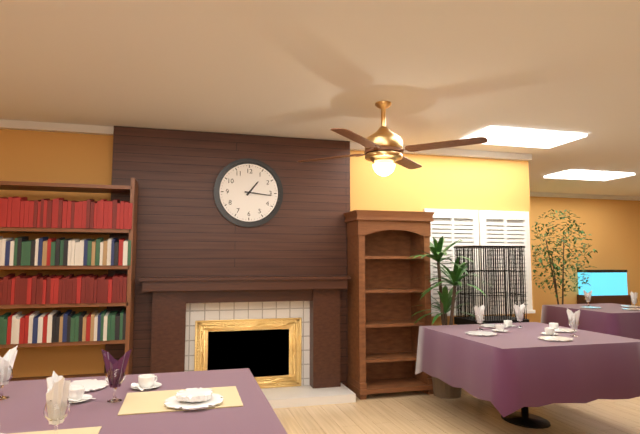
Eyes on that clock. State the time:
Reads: 1:16
